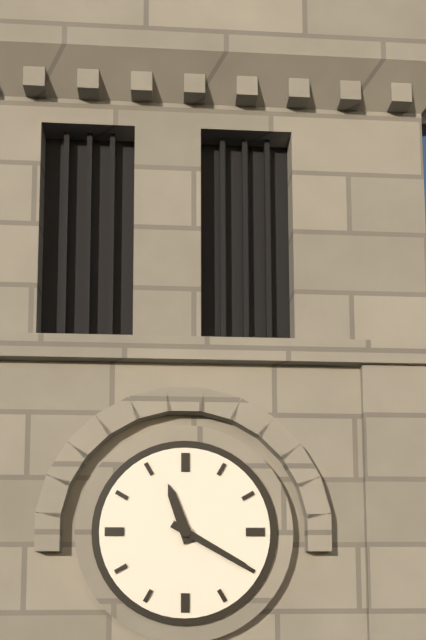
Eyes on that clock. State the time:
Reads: 11:20
